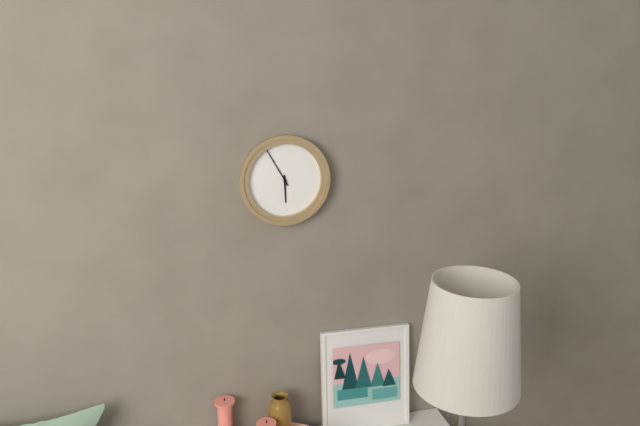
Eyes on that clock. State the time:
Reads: 5:55
